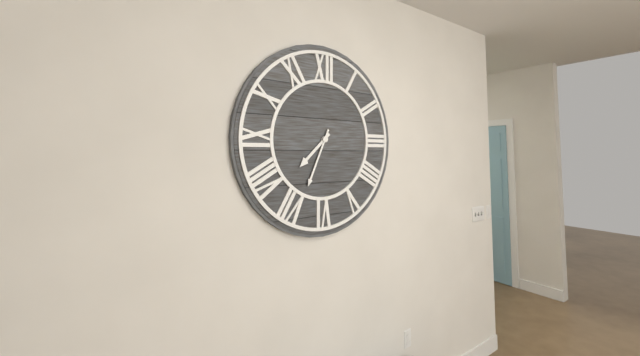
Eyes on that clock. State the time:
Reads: 7:34
